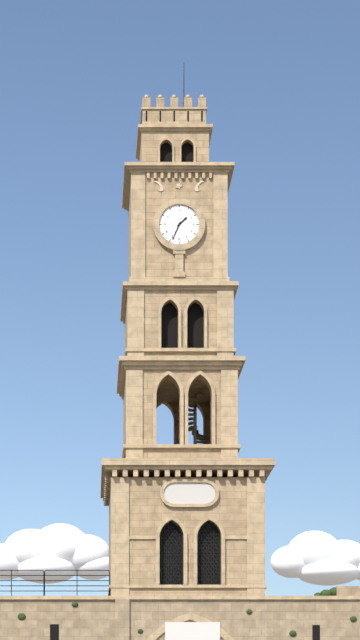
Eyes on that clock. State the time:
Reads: 1:34
